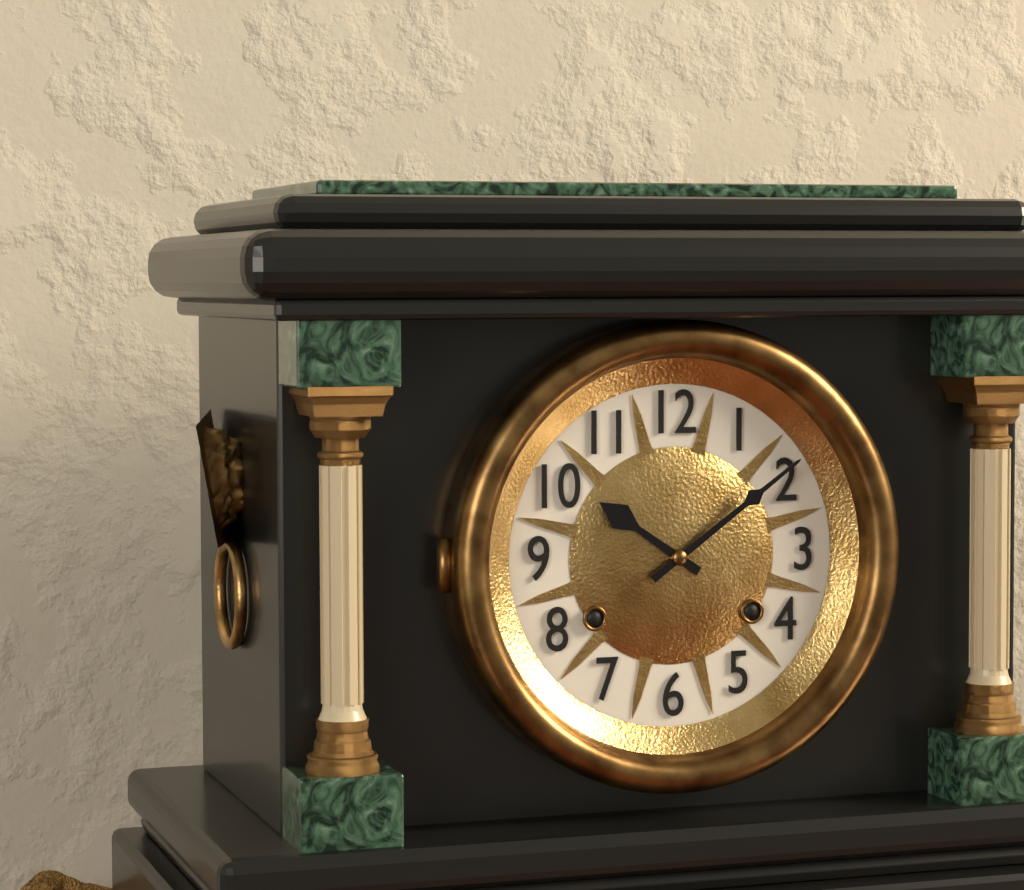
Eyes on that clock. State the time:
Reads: 10:09
